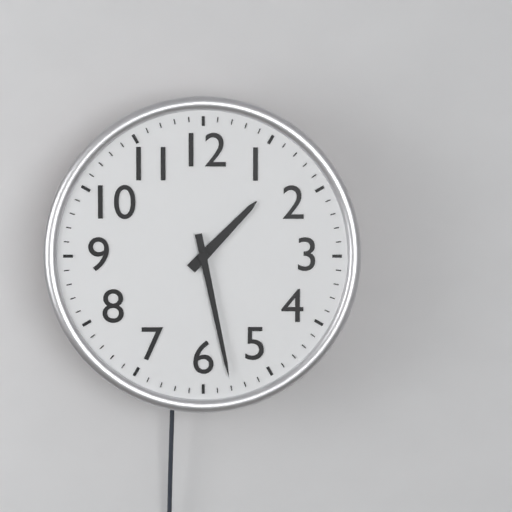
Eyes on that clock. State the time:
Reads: 1:28
